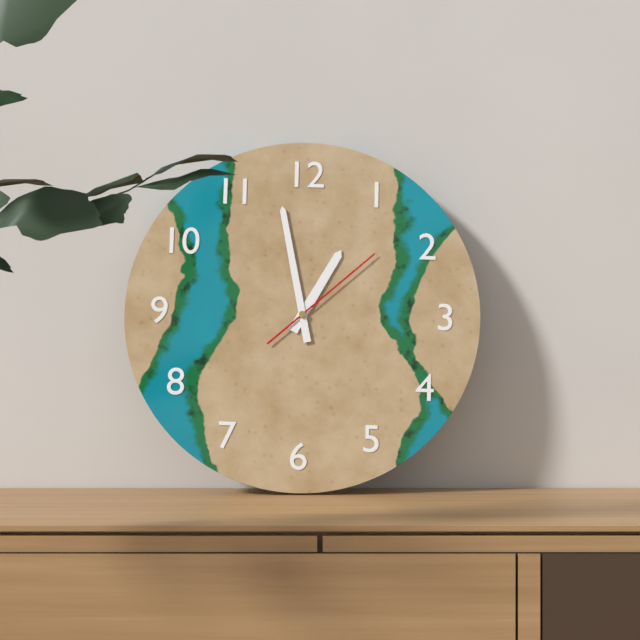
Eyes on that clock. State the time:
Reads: 12:58:08
